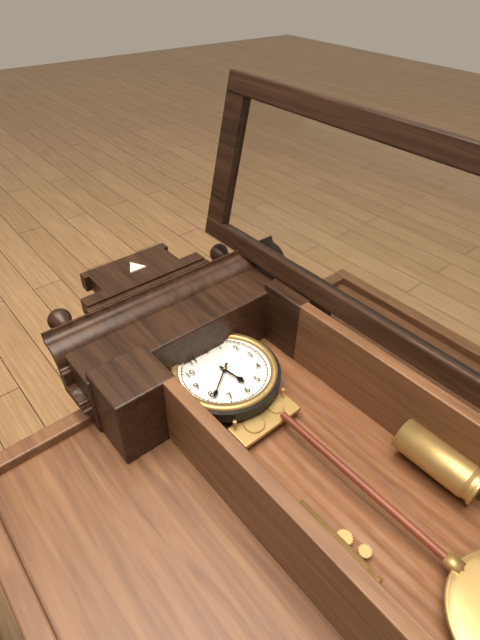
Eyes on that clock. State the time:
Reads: 5:39
